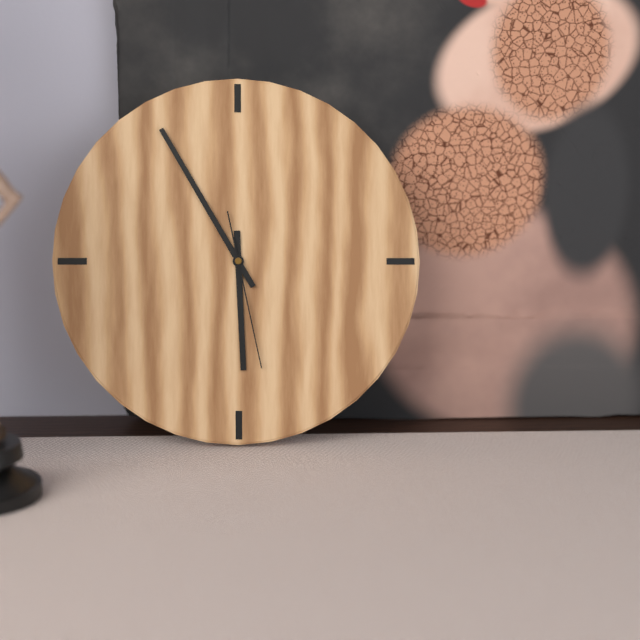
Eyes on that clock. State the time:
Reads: 5:55:28
